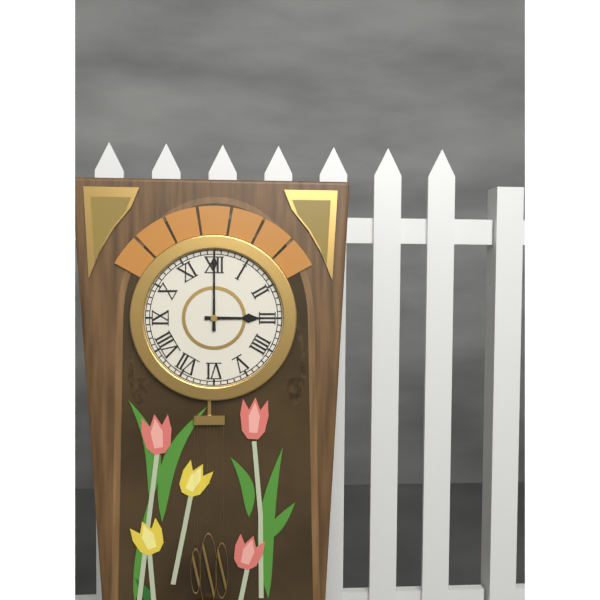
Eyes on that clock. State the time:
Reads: 3:00
